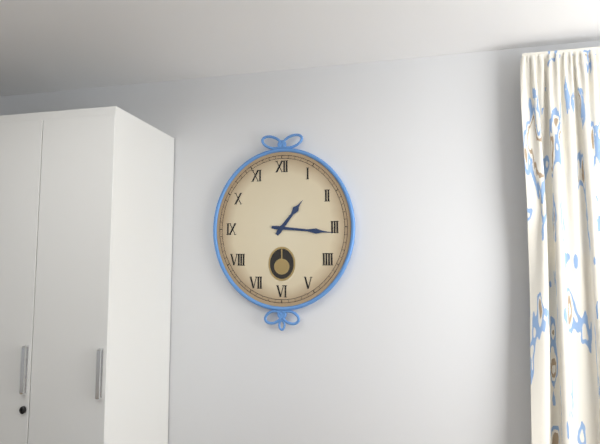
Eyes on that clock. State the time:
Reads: 1:16
